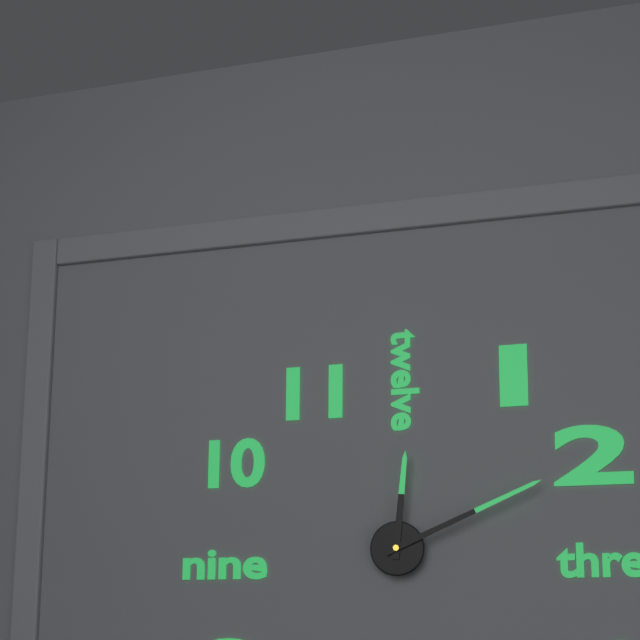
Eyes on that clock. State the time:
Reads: 12:11
